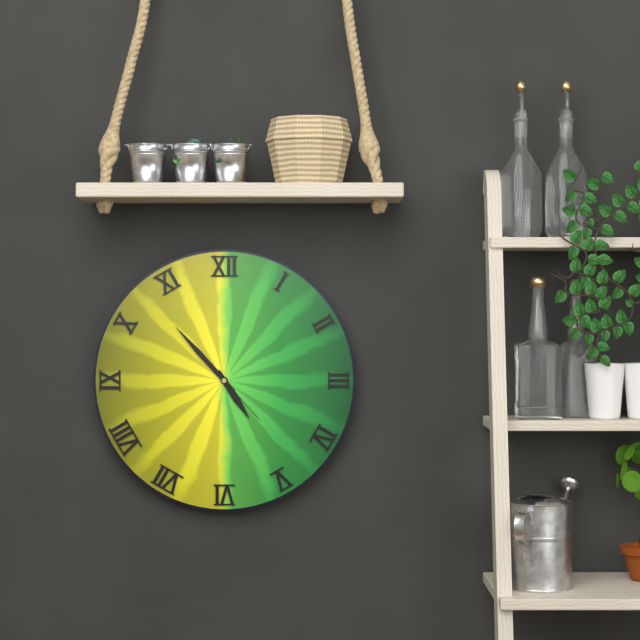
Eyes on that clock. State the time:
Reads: 4:53:23
